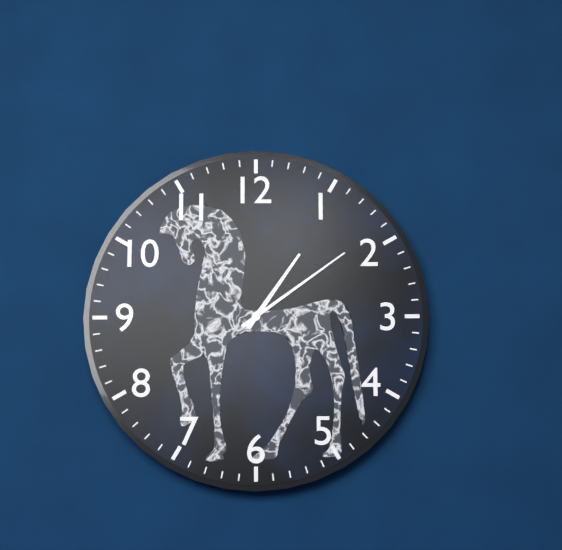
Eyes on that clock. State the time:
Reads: 1:09
